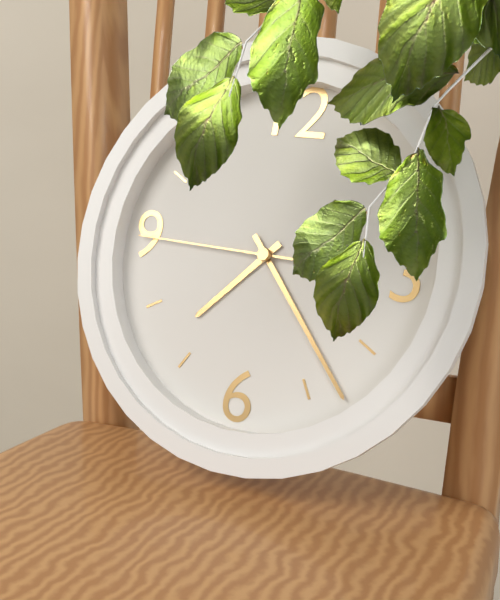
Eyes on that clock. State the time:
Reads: 7:23:45
